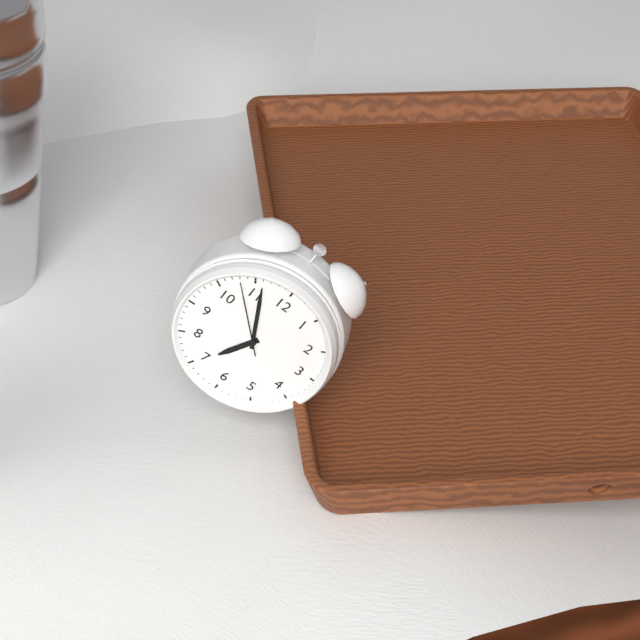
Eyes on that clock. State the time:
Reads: 6:56:53
